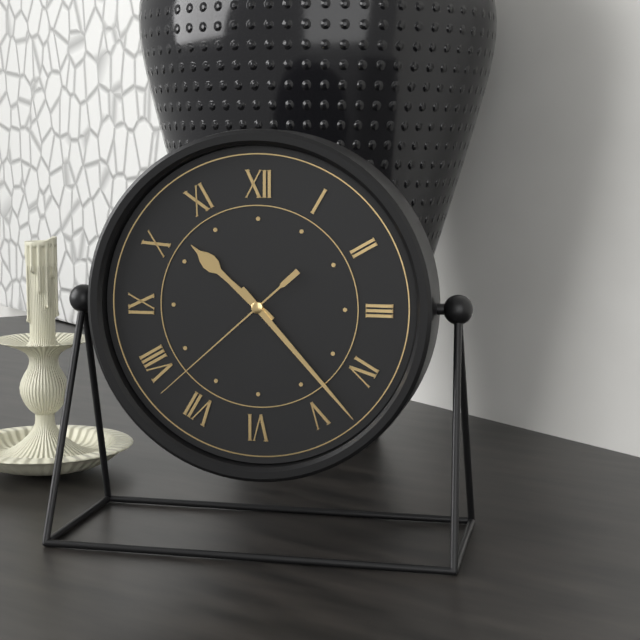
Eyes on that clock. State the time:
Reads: 10:23:38
